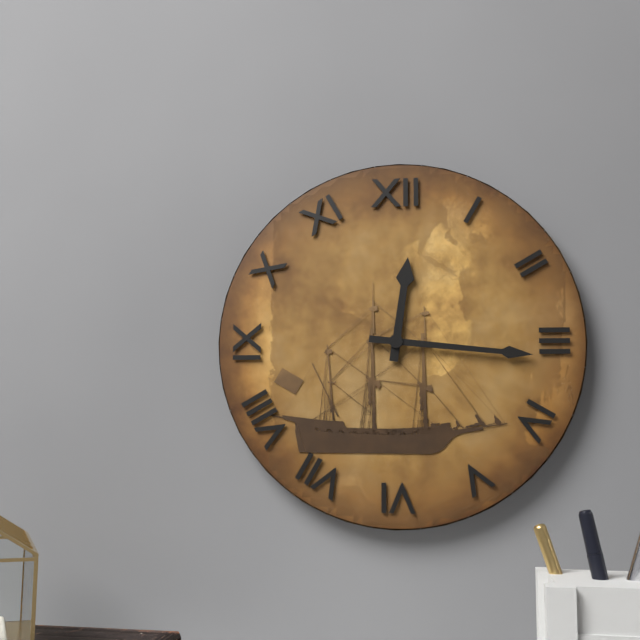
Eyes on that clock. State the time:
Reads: 12:16
